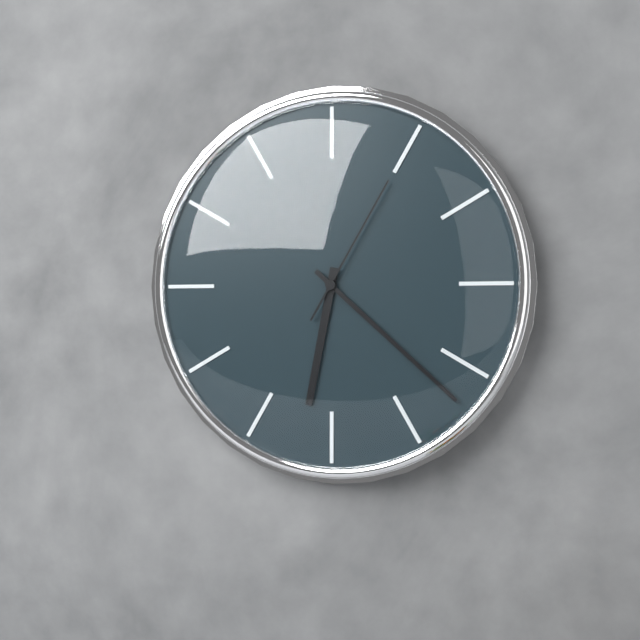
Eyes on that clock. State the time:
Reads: 6:22:05
